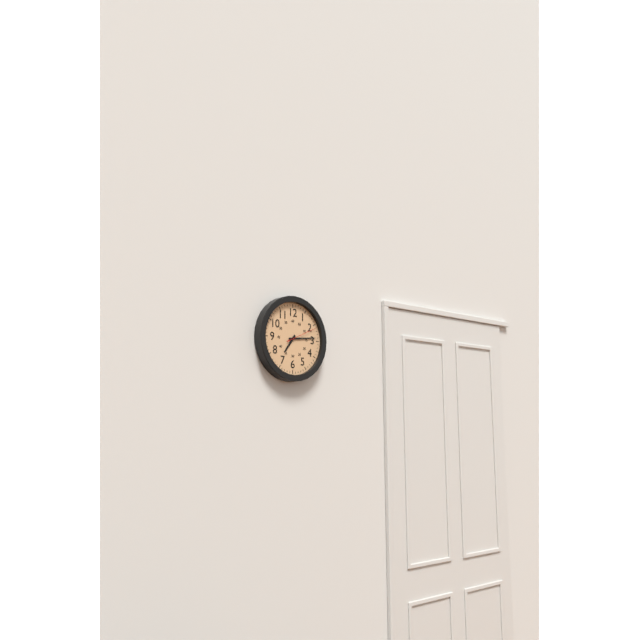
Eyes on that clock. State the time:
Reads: 7:14
